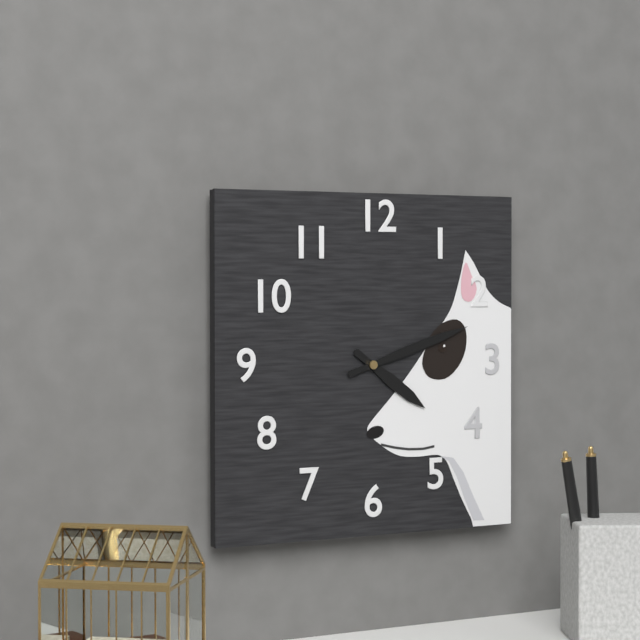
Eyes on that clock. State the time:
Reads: 4:12
